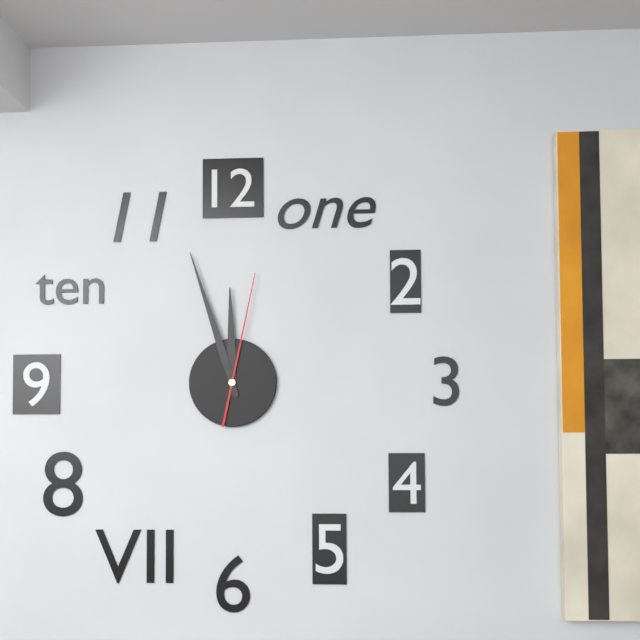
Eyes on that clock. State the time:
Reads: 11:57:02
